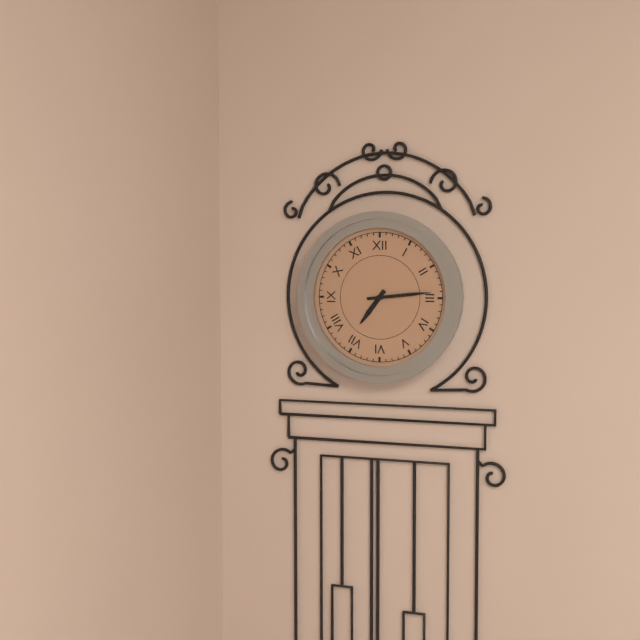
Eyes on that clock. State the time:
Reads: 7:14
